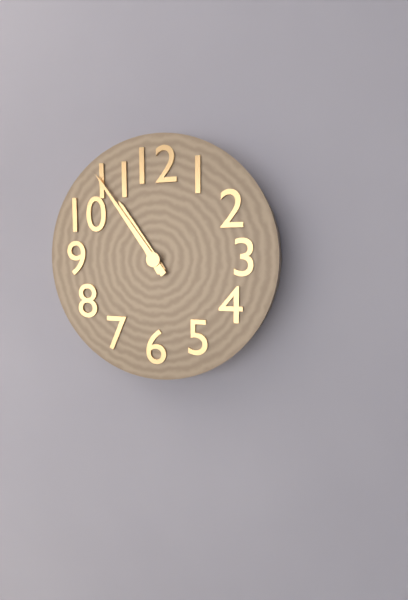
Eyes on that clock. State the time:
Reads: 10:54
